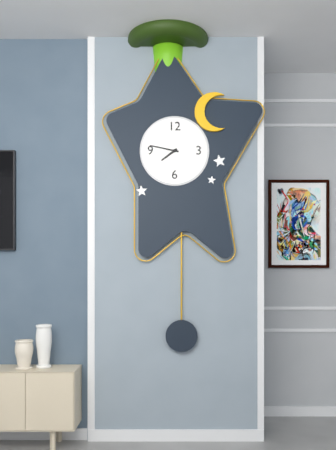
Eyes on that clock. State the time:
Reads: 7:47
